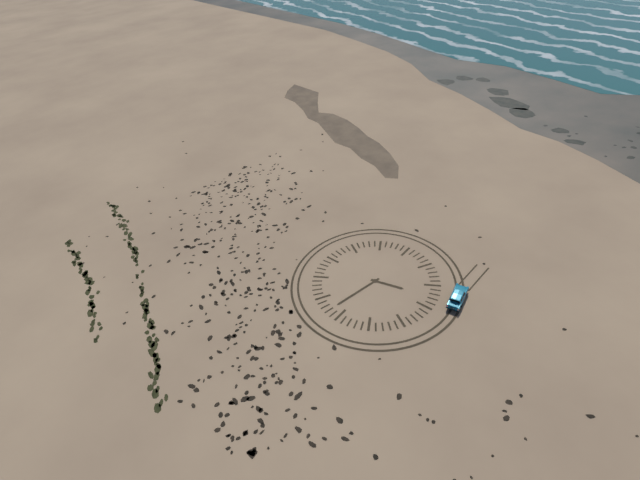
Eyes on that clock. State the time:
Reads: 2:32
